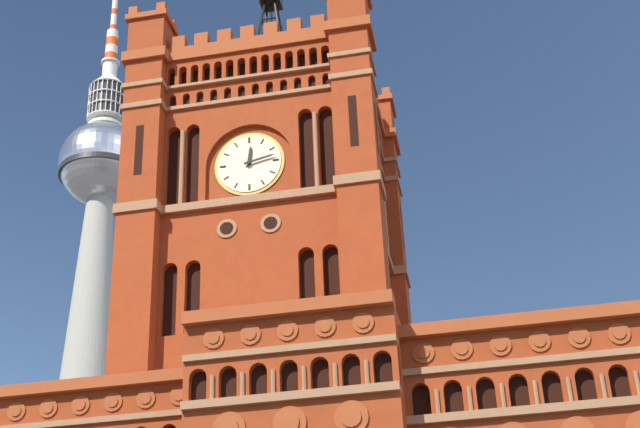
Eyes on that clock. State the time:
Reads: 12:13
